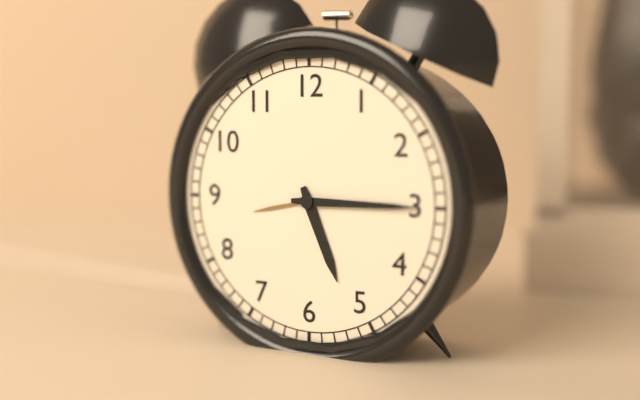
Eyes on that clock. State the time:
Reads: 5:15
